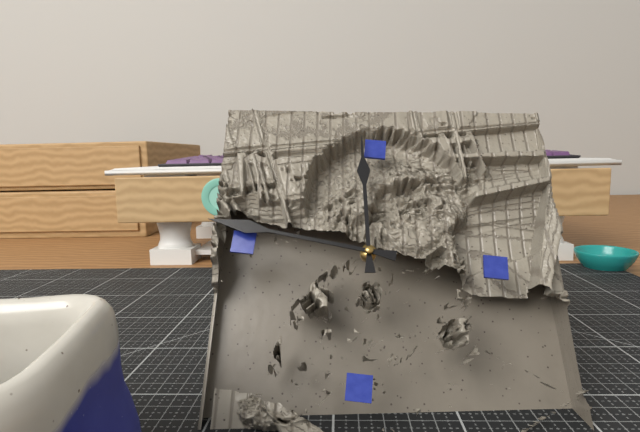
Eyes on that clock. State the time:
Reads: 11:46
